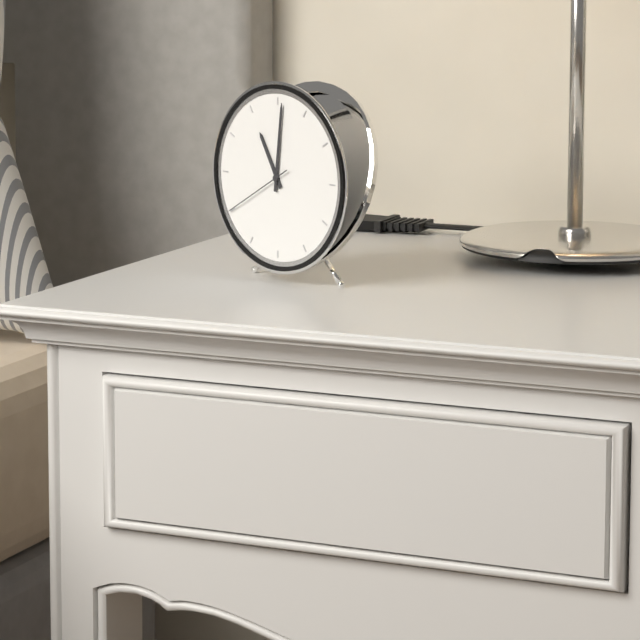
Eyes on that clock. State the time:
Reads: 11:01:40
